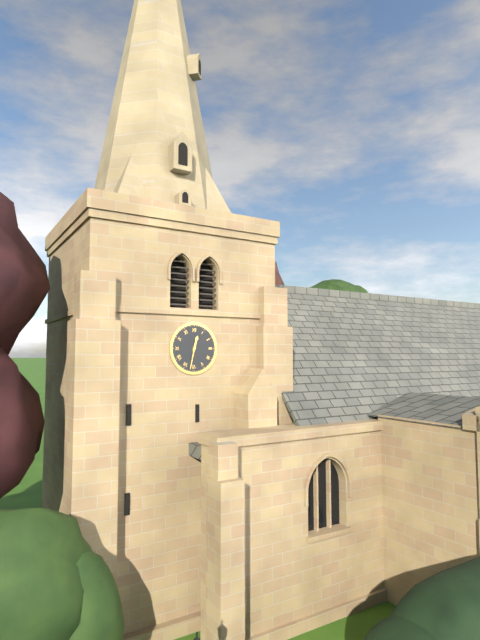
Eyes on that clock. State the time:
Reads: 12:32
